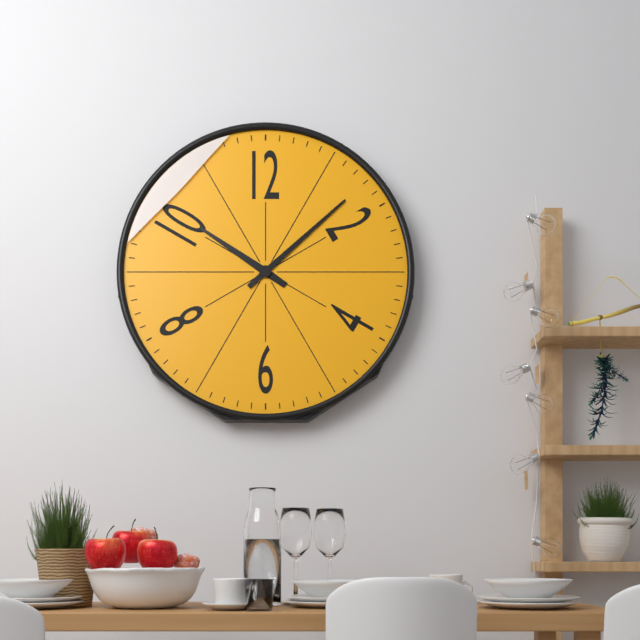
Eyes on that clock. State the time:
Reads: 10:08
